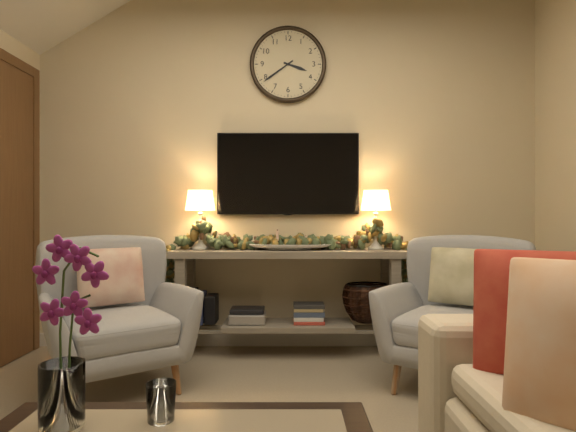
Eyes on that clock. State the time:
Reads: 3:39
